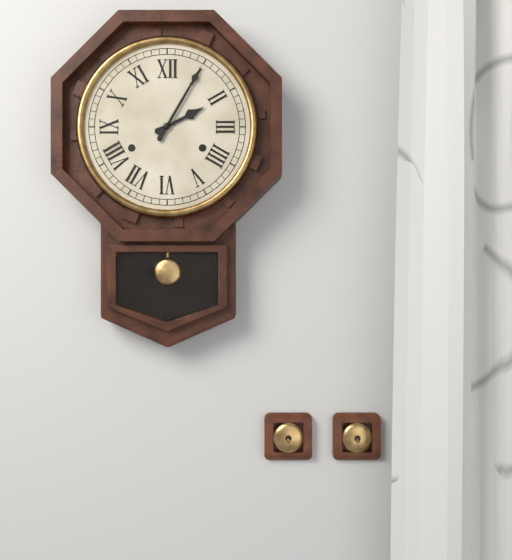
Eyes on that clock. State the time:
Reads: 2:05
